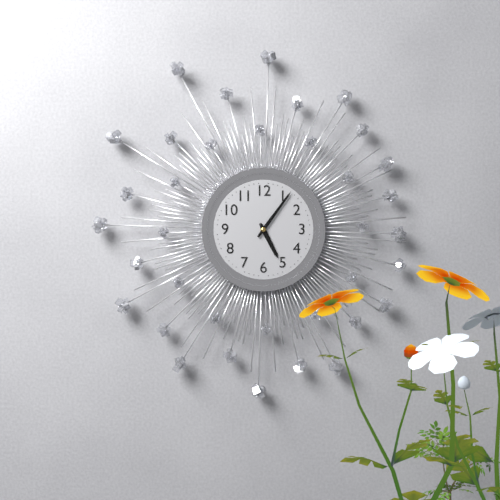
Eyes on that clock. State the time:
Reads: 5:06
